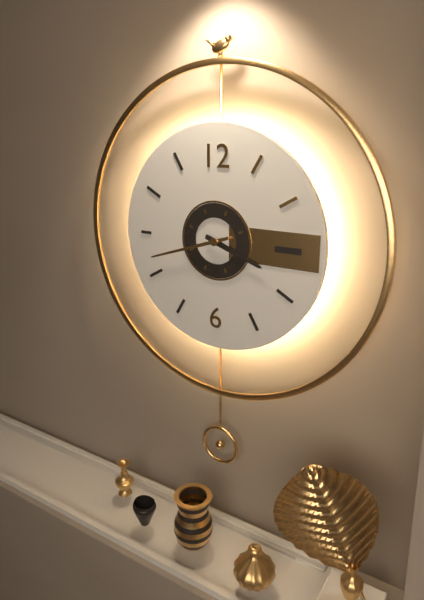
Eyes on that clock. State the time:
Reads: 3:42
